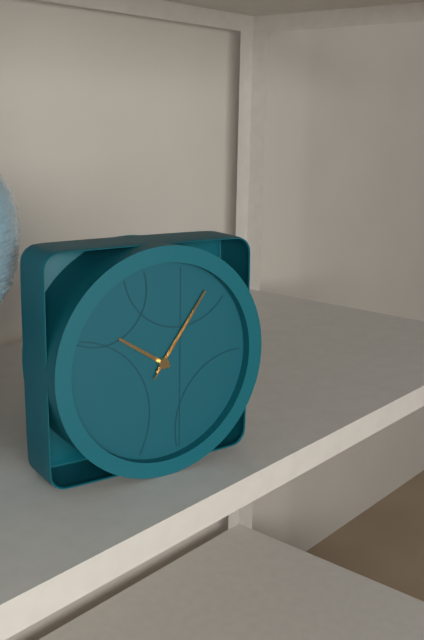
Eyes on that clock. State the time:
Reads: 10:06:06
